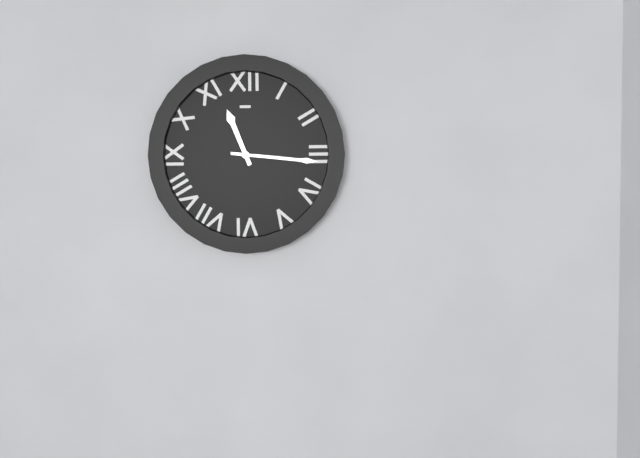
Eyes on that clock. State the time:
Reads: 11:16
